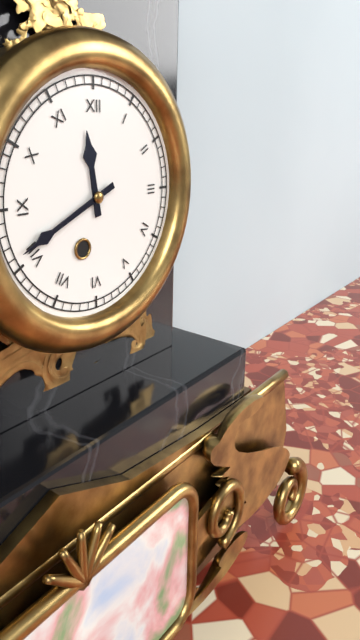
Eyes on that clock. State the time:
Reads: 11:41
